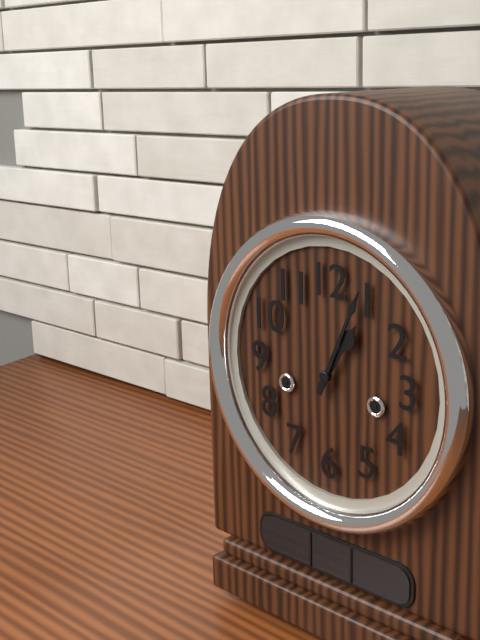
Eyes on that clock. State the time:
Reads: 1:04
